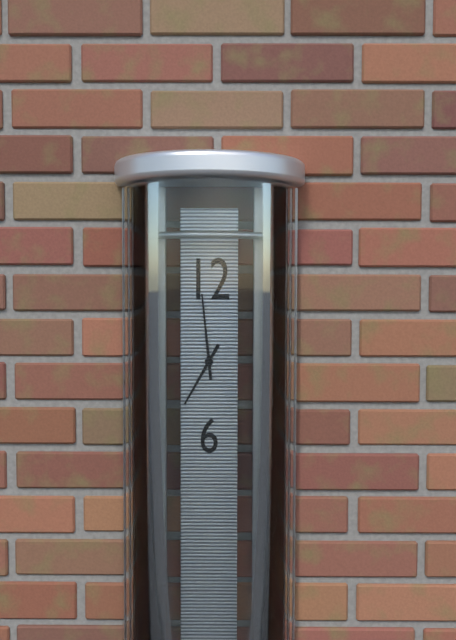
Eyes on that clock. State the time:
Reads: 6:59
